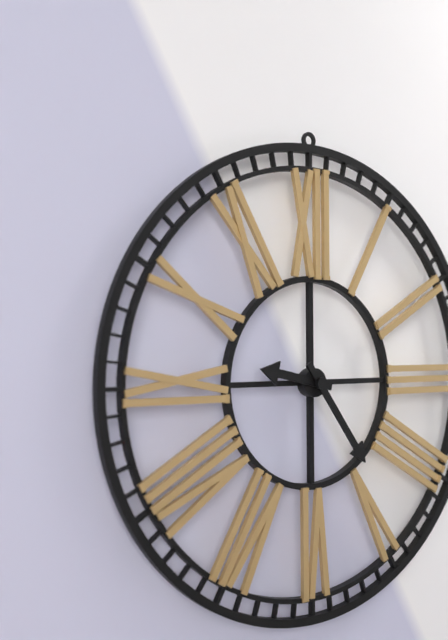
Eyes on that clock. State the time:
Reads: 9:24
